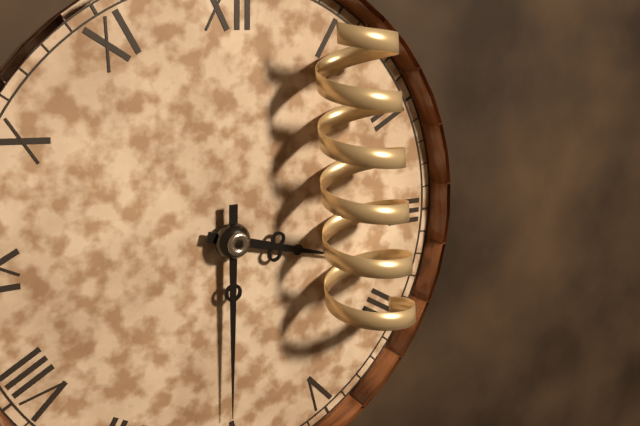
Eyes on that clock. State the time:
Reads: 3:30
